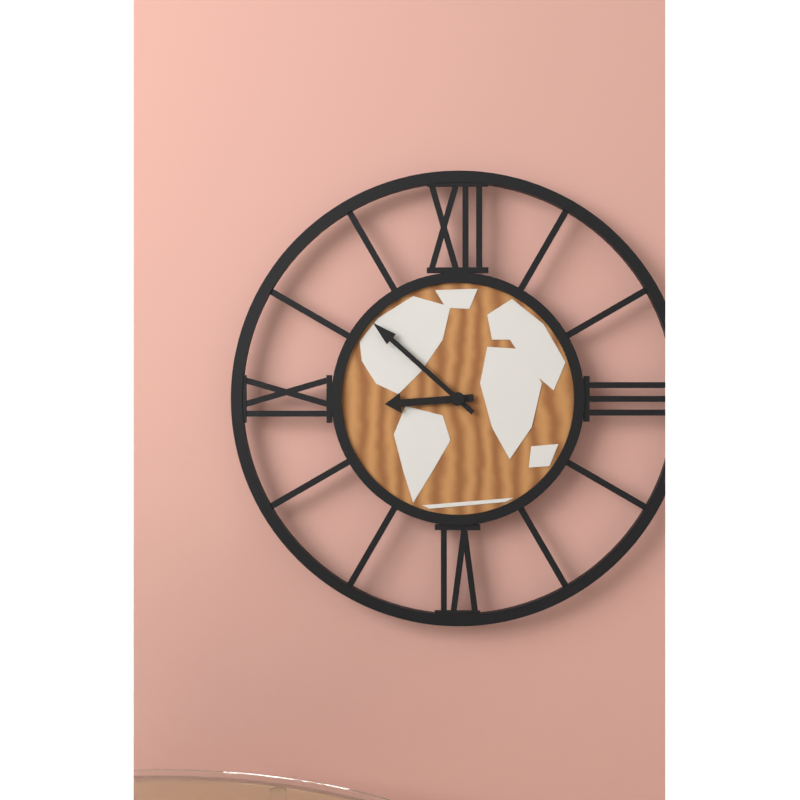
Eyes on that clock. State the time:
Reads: 8:52
